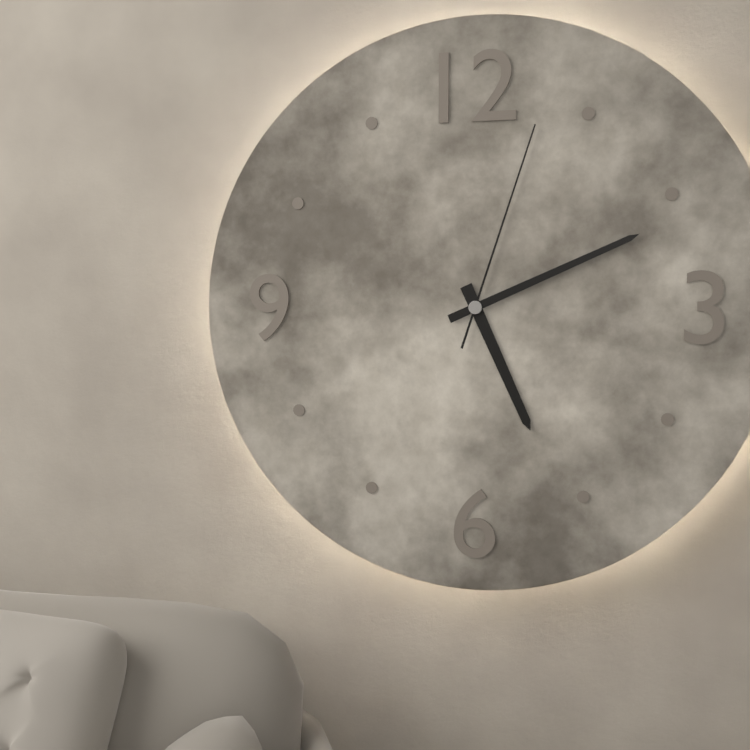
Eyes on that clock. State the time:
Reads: 5:11:03
